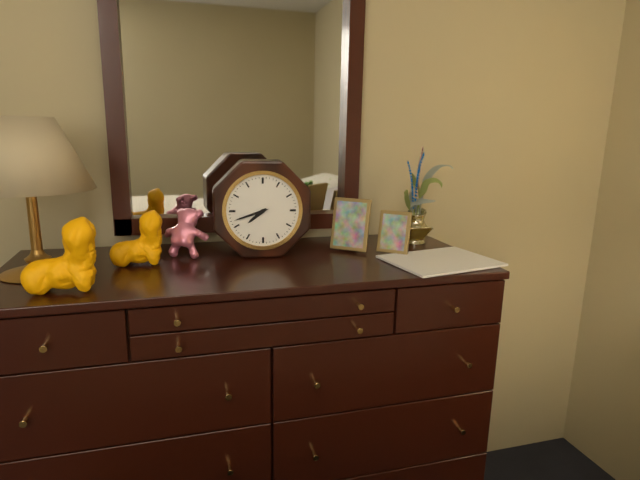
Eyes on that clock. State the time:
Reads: 7:42
